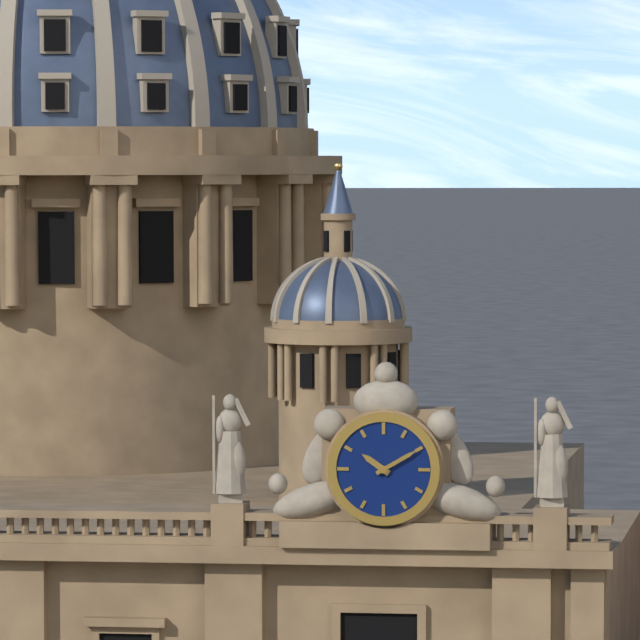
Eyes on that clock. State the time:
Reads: 10:10
